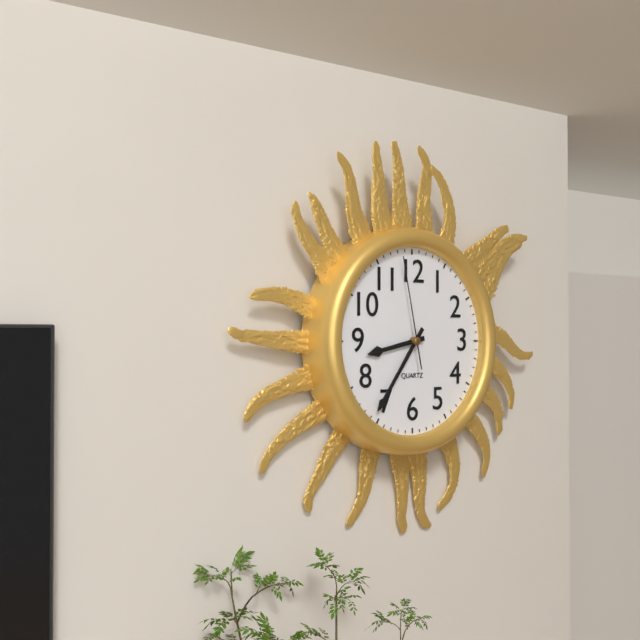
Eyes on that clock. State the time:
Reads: 8:36:58
